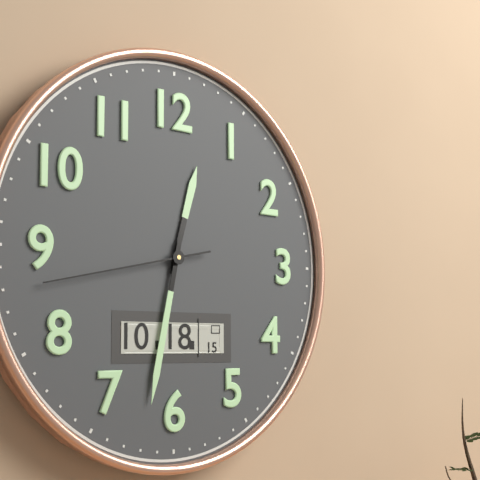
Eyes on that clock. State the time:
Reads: 12:32:43
